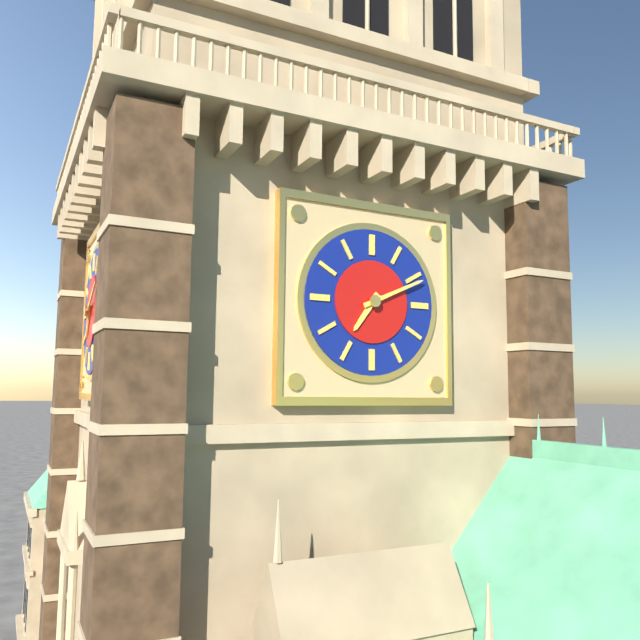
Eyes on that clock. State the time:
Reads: 7:11
